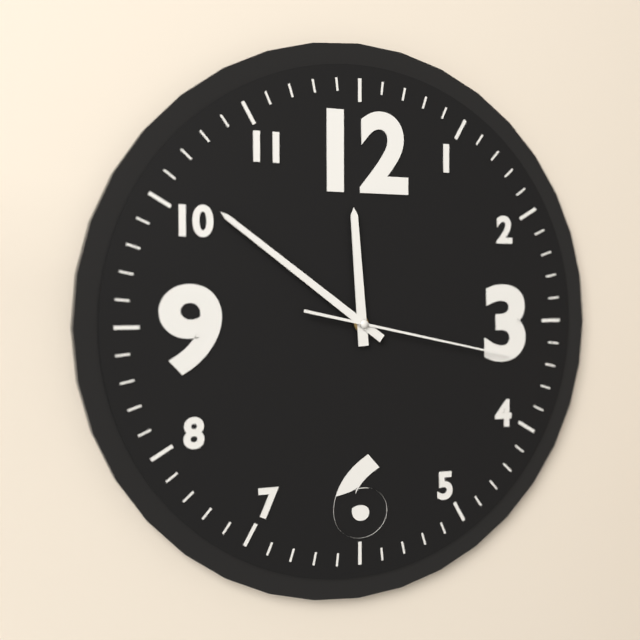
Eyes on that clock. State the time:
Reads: 11:51:17
